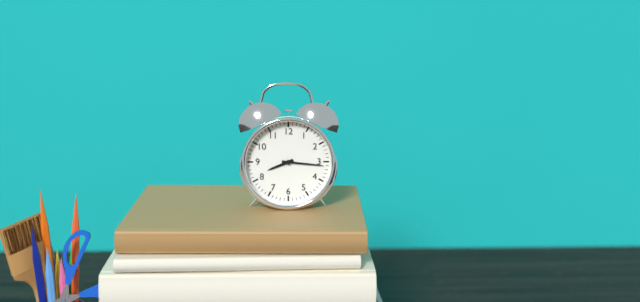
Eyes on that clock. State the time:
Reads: 8:16
